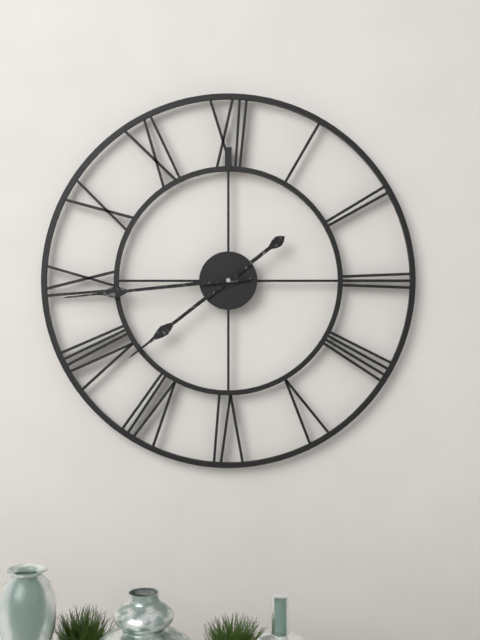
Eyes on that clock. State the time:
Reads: 7:44
